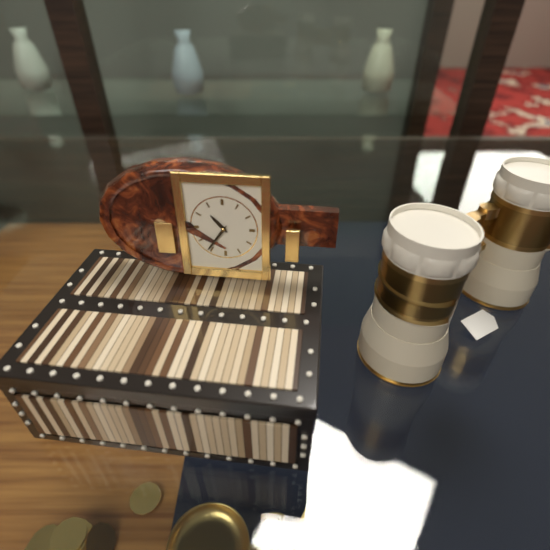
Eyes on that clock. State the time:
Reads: 10:36
